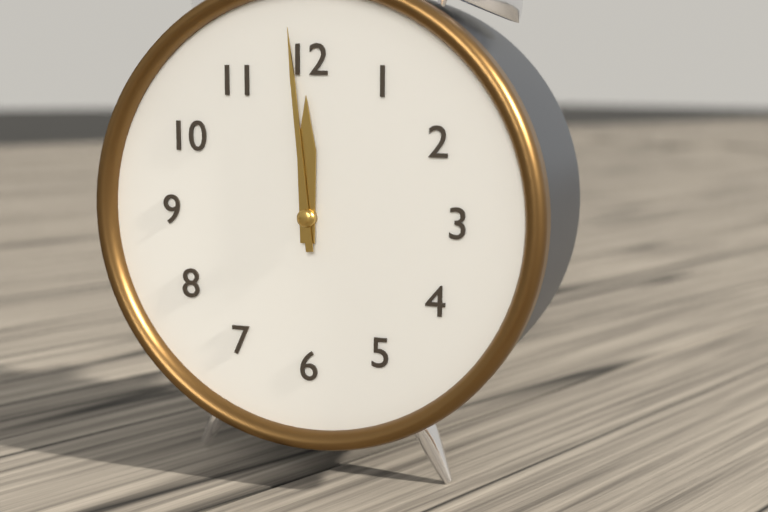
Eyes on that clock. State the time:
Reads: 11:59
